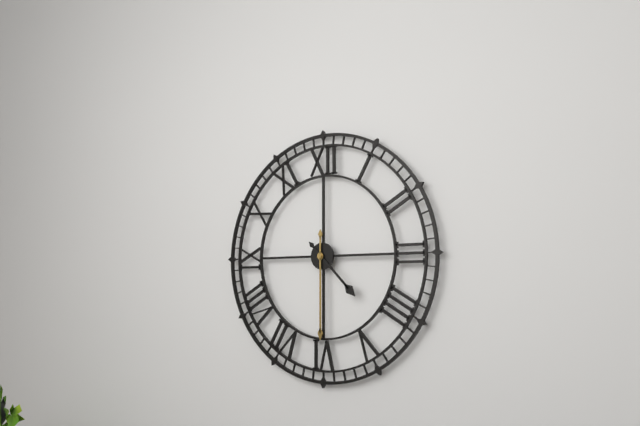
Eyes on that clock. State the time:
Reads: 4:30
